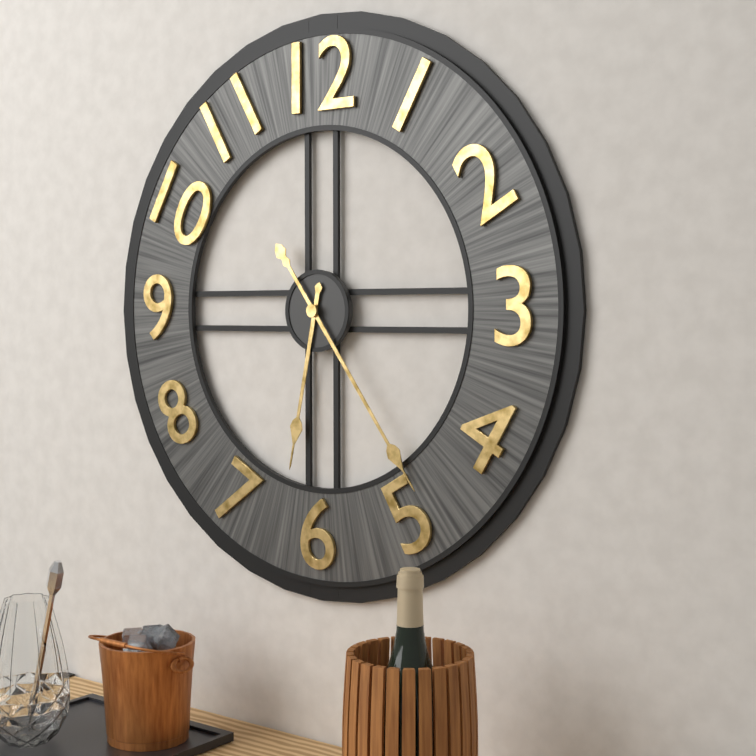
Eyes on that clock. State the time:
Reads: 6:24
